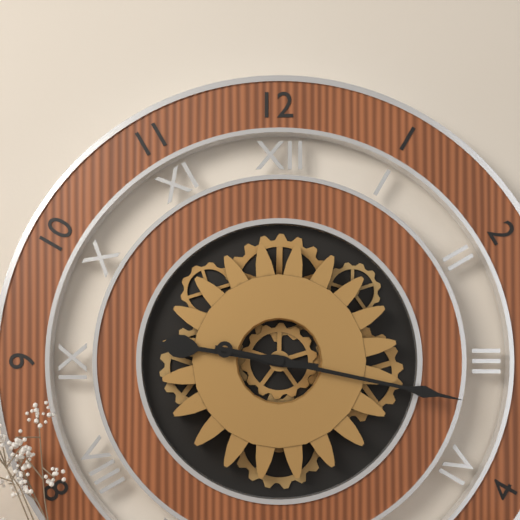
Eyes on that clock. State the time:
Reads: 9:17
